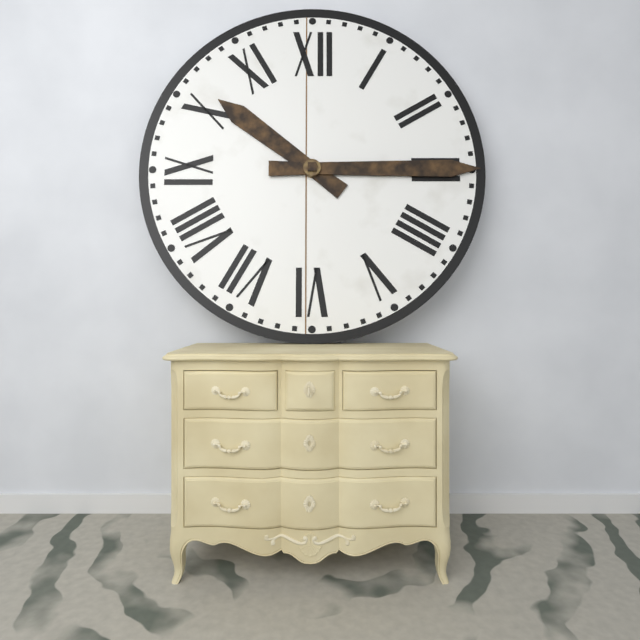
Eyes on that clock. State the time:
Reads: 10:15
